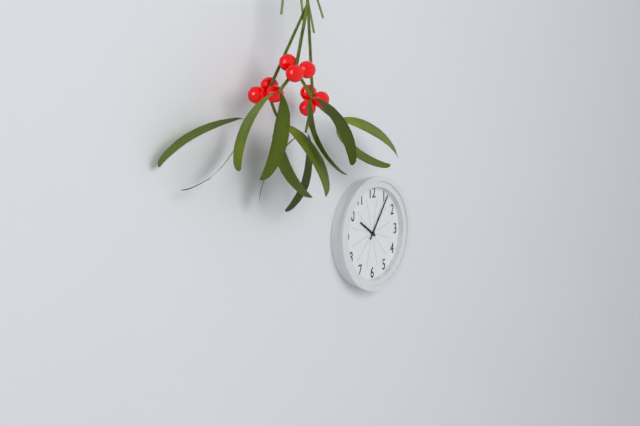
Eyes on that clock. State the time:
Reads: 10:06
